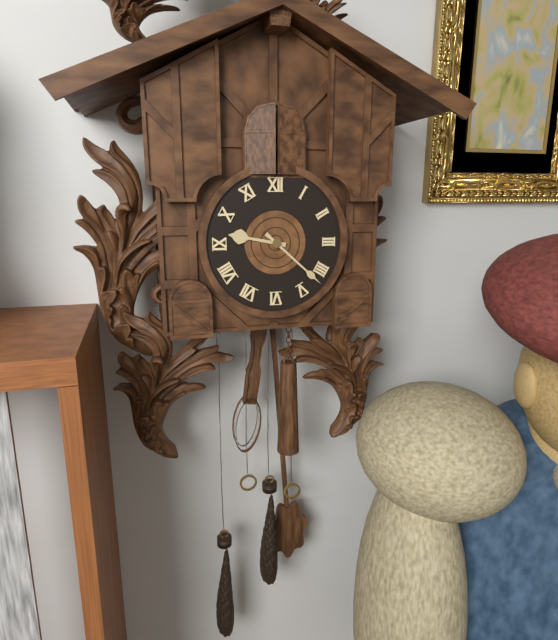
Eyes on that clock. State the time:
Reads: 9:22
